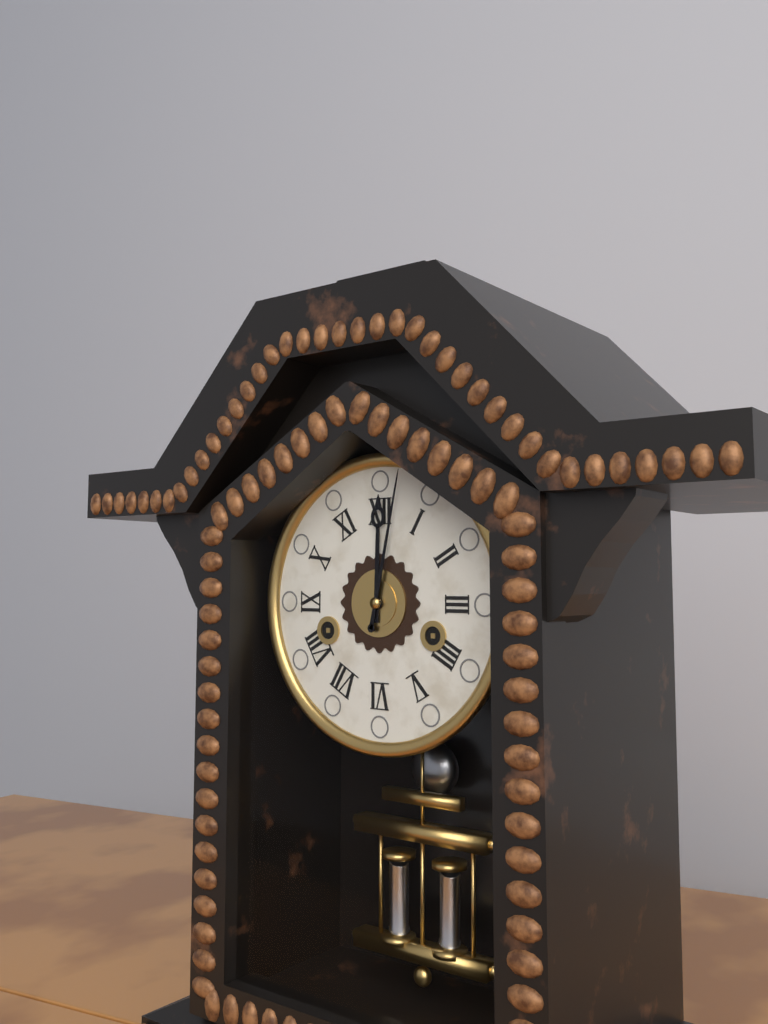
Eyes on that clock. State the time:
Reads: 12:02
